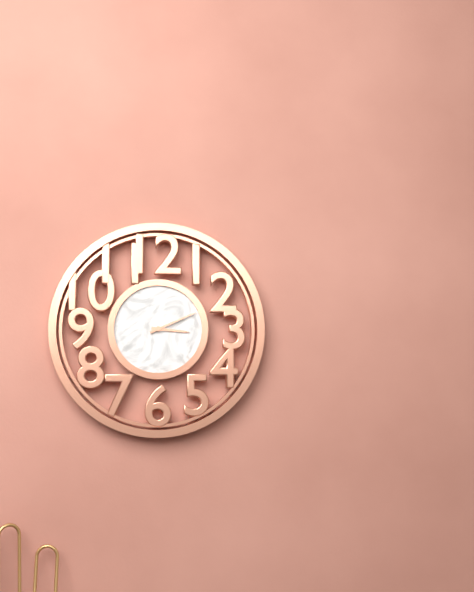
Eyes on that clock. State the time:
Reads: 3:11
